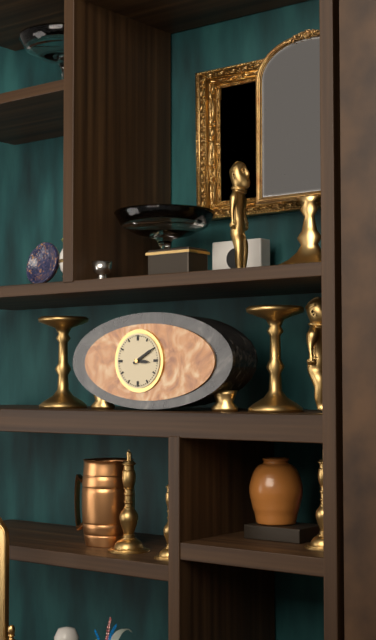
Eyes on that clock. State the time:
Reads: 3:10
